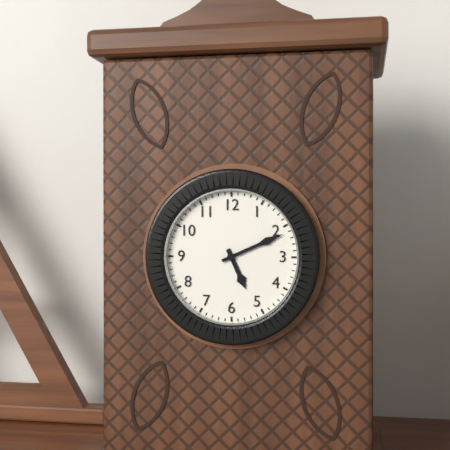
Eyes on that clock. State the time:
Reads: 5:11
